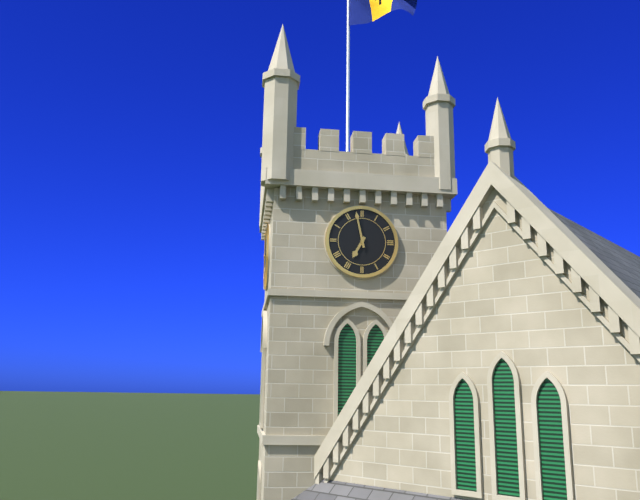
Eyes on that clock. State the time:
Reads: 6:58
